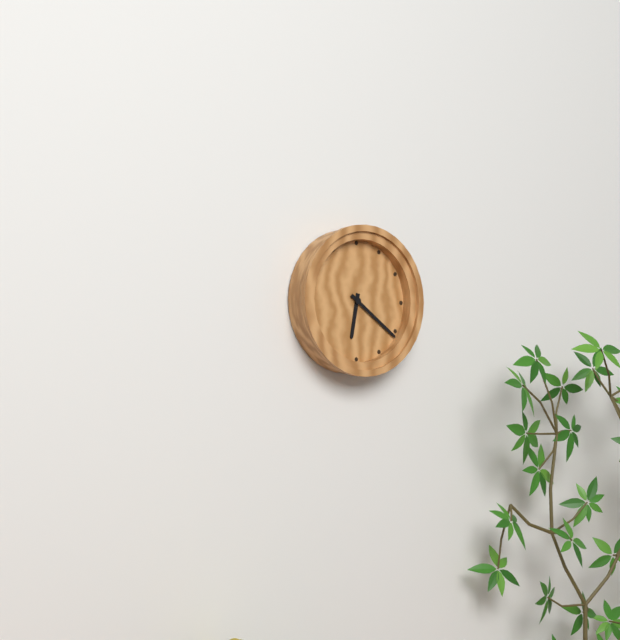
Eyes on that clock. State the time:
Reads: 6:21
